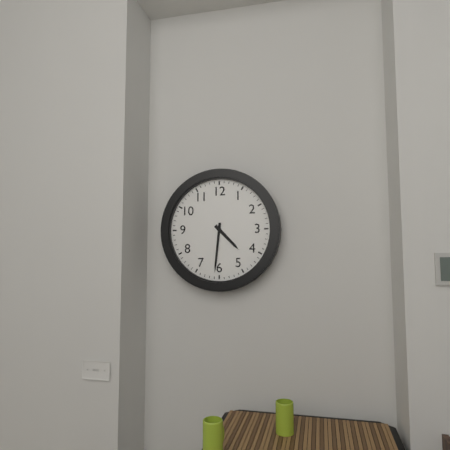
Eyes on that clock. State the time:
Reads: 4:31
